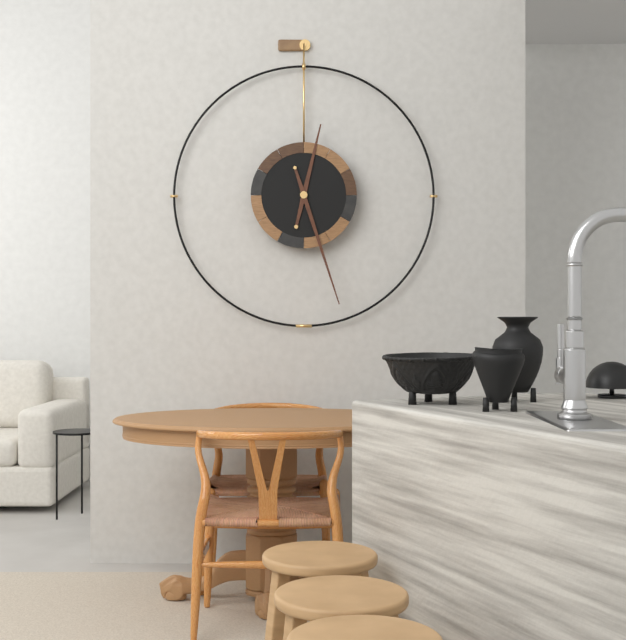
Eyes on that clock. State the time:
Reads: 12:27
